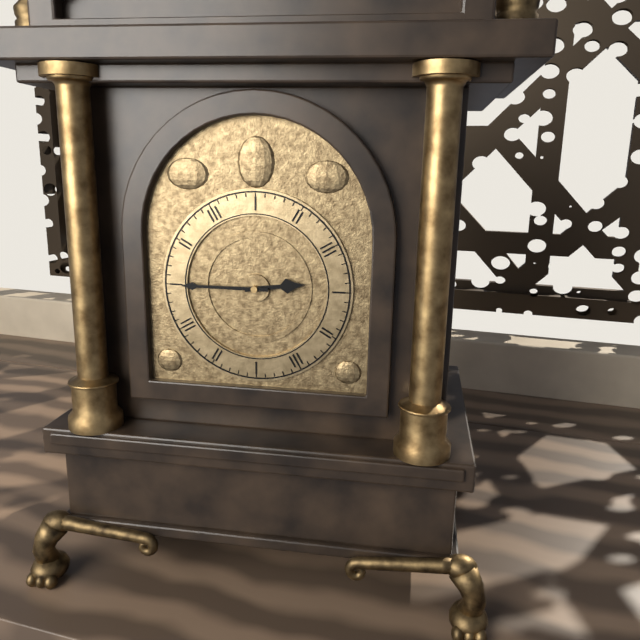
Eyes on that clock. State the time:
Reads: 2:45
